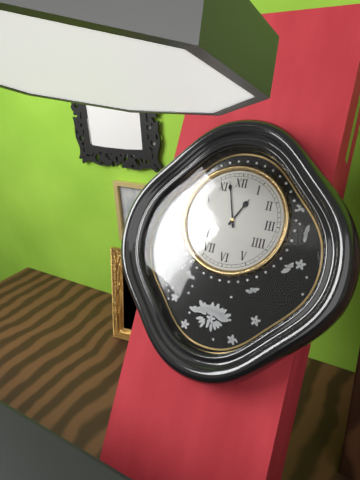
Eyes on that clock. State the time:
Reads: 12:57
